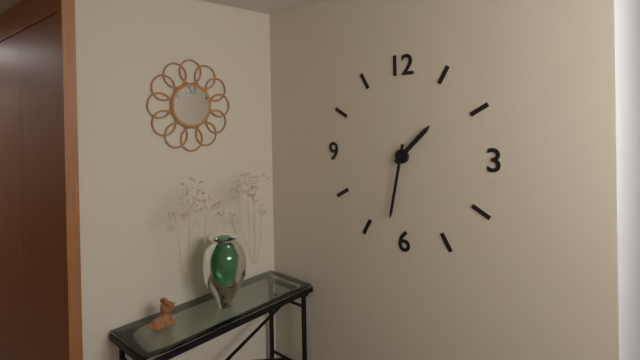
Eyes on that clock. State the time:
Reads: 1:32
